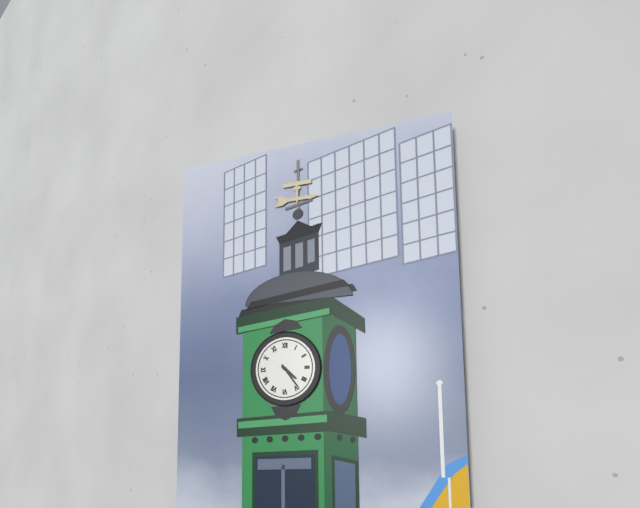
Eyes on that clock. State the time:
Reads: 4:24
